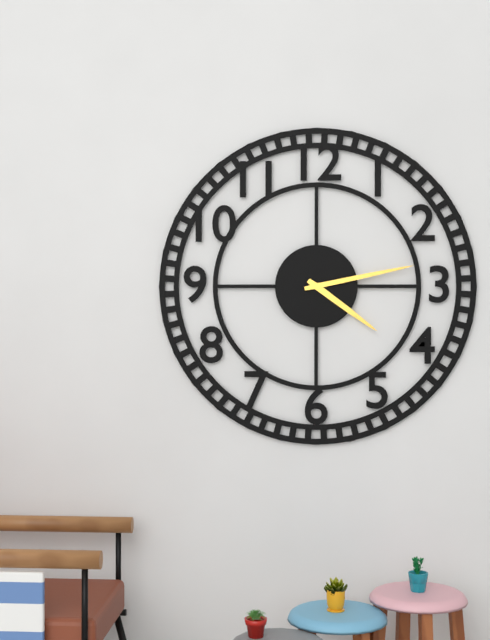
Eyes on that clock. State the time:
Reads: 4:13
